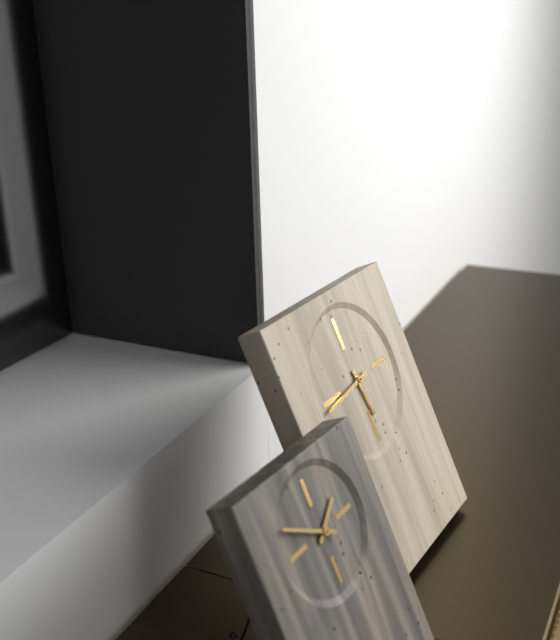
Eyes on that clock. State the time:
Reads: 5:44
